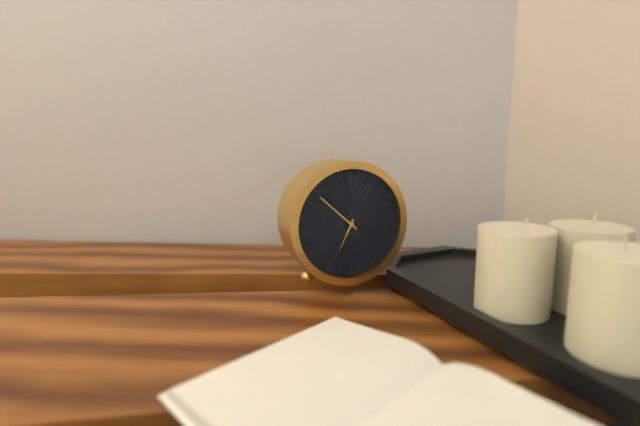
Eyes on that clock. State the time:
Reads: 6:52
